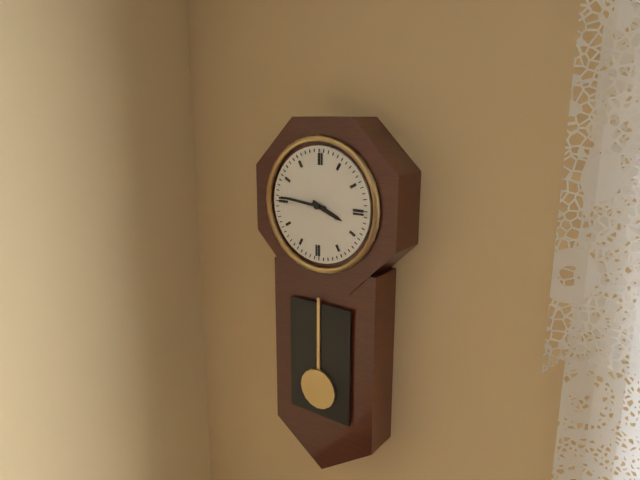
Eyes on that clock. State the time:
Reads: 3:46
